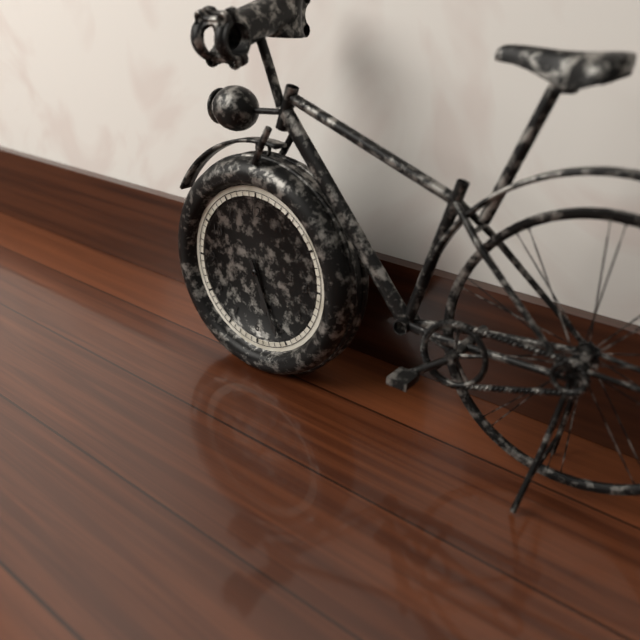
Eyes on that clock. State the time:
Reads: 5:26
